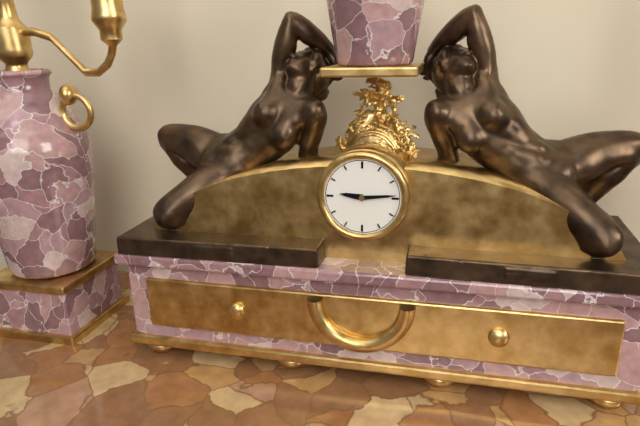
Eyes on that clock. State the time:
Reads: 9:14
